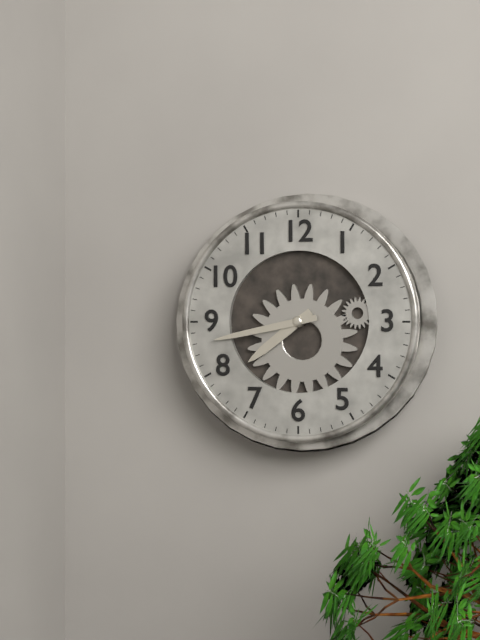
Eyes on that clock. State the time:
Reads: 7:43
